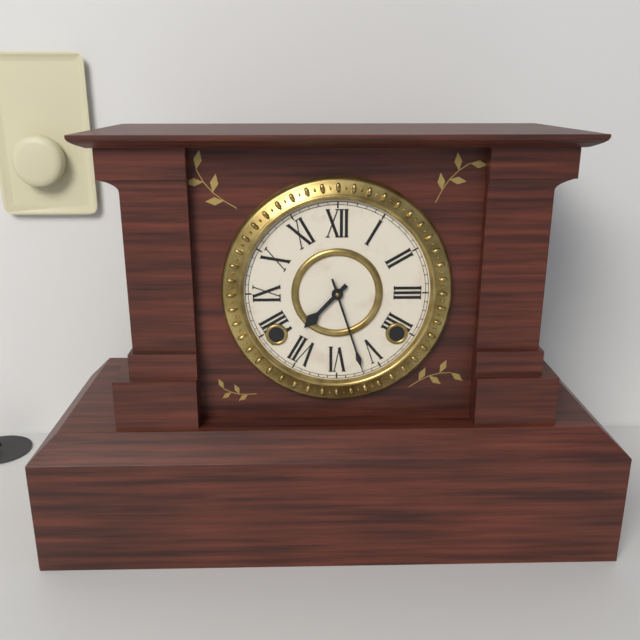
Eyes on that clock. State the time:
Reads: 7:27
